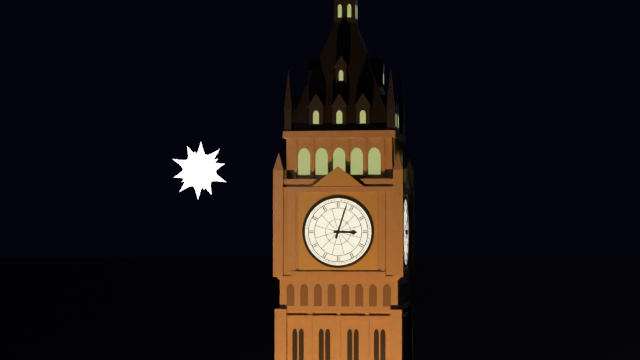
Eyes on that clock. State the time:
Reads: 3:03
